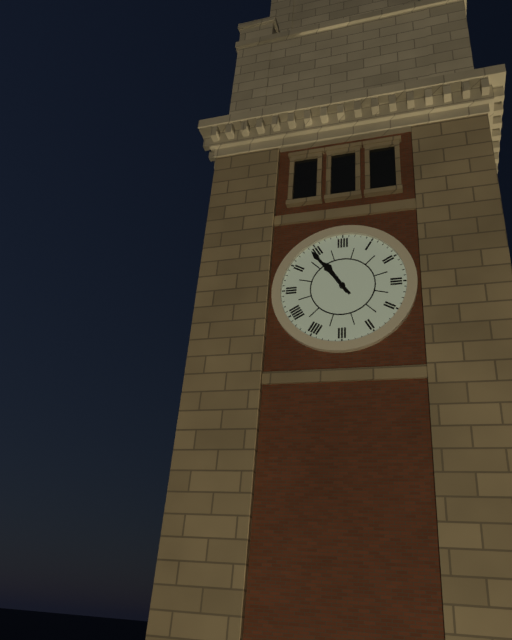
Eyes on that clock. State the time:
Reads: 10:54
